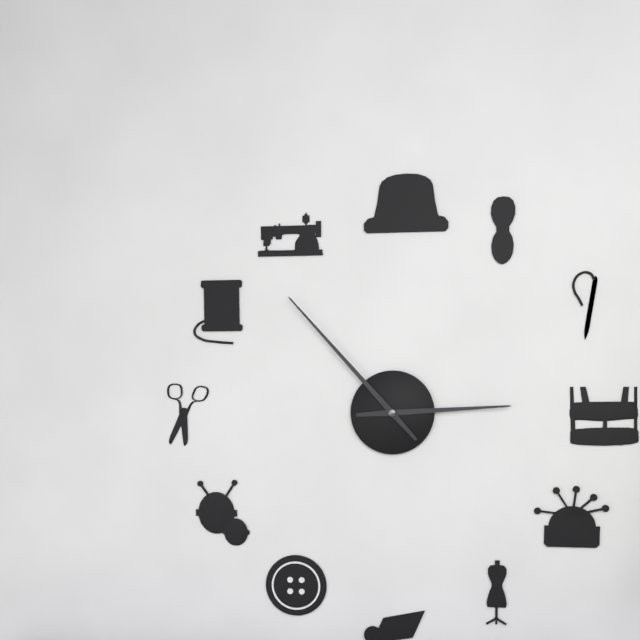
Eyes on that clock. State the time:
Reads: 2:53
